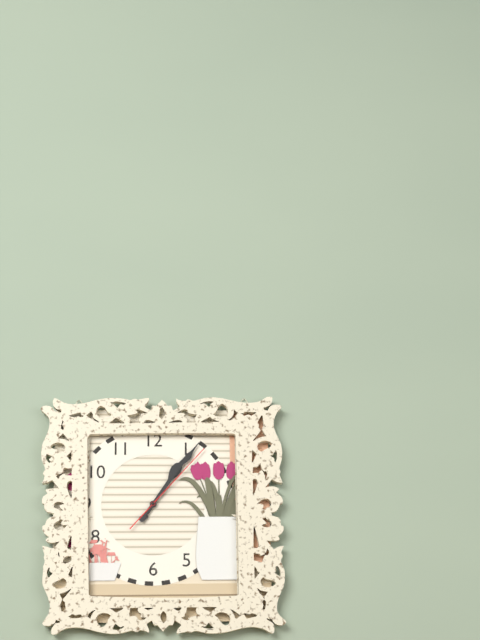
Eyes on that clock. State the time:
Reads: 1:06:07
